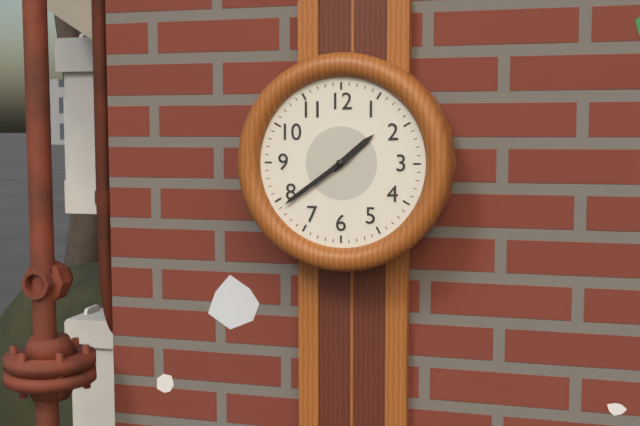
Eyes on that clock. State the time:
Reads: 1:39
